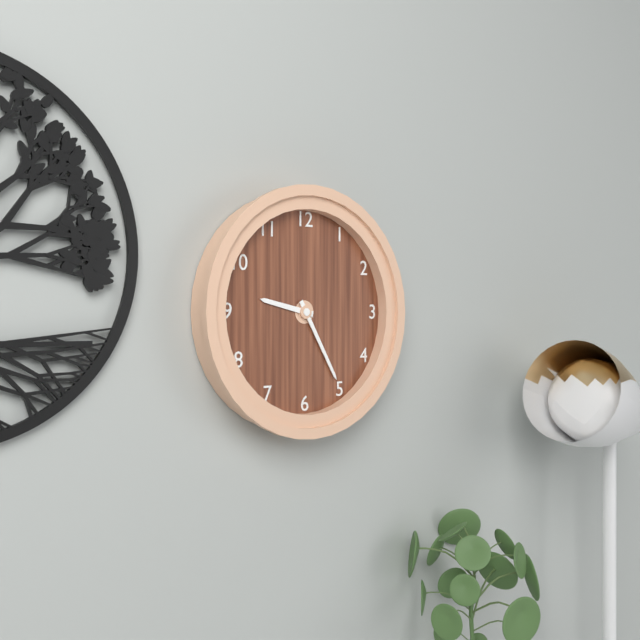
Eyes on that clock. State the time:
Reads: 9:25
